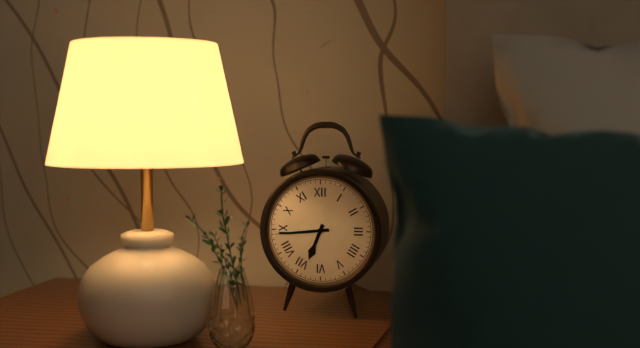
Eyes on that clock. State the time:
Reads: 6:44
